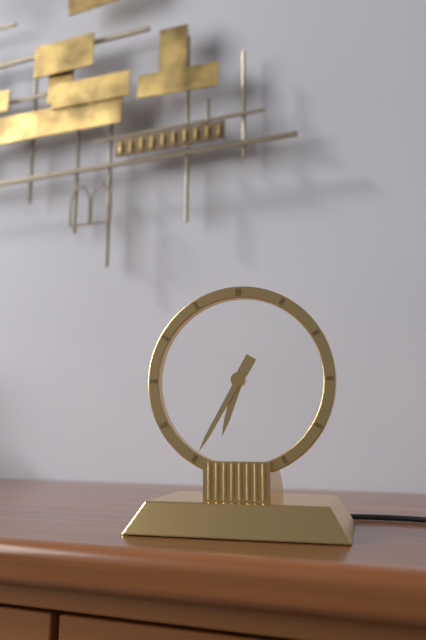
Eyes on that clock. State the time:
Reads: 6:35
